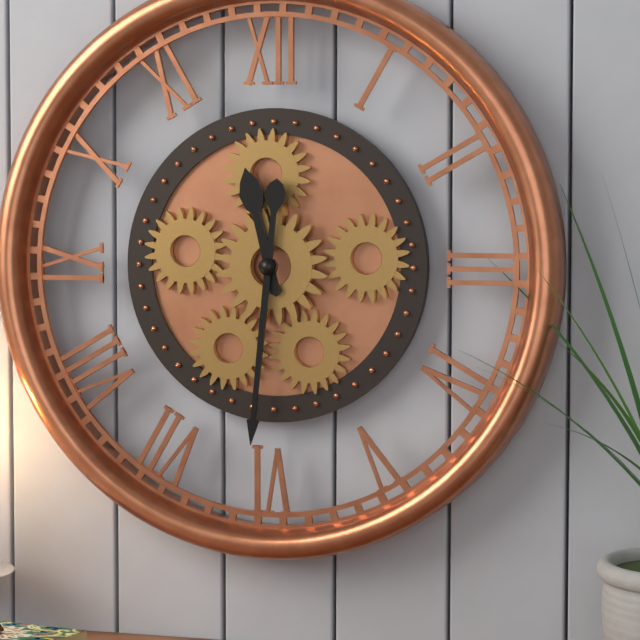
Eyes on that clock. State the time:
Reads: 11:31
